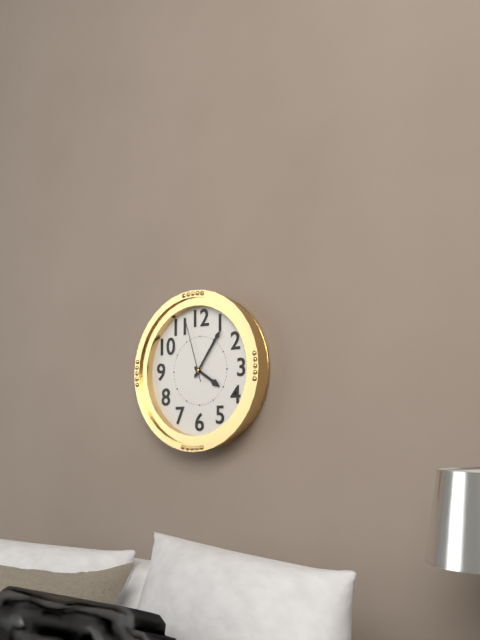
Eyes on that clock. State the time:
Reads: 4:06:57
